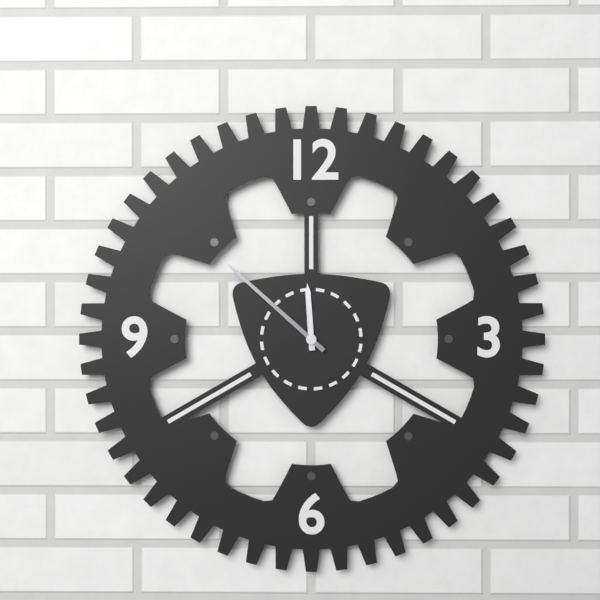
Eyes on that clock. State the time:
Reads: 11:52
